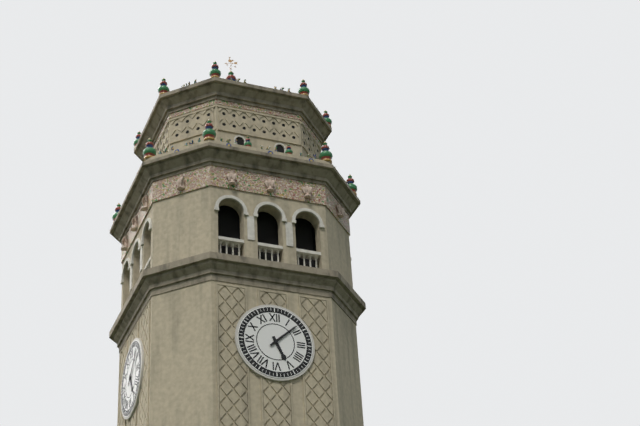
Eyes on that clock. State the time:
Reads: 5:08
